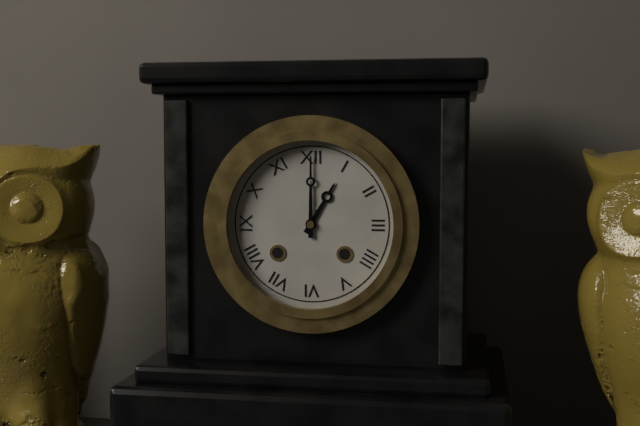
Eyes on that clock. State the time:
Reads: 1:00
